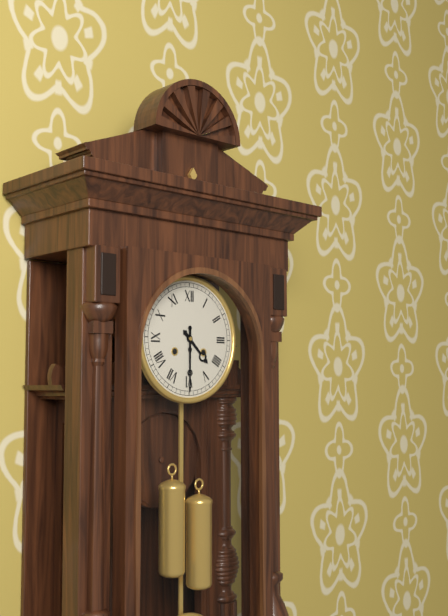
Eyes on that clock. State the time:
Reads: 4:30
